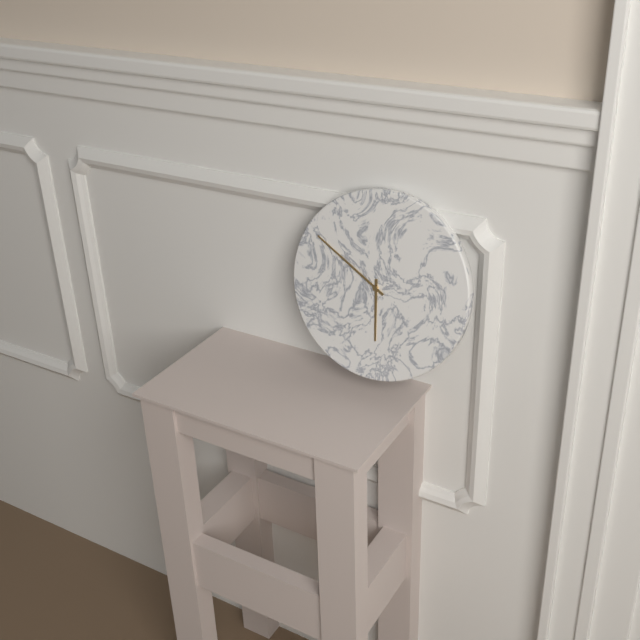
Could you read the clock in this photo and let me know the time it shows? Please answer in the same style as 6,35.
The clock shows 5,50
